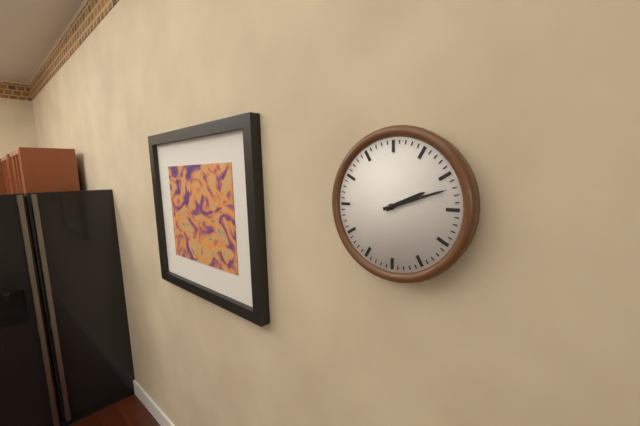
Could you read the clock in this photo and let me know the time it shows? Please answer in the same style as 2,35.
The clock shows 2,12
